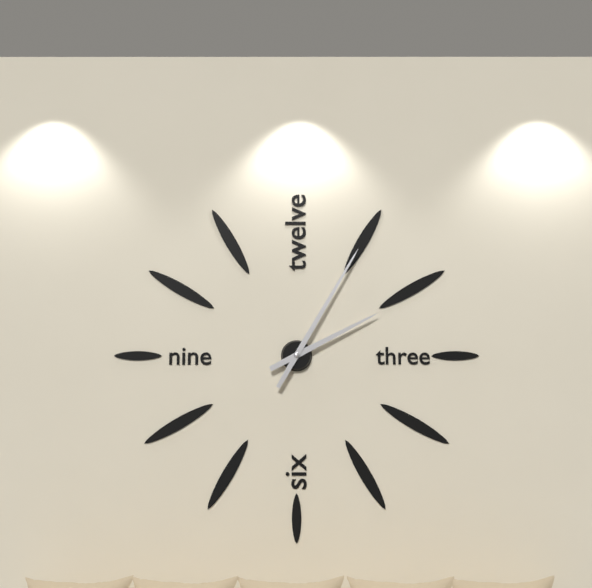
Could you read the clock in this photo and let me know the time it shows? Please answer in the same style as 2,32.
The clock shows 2,05
